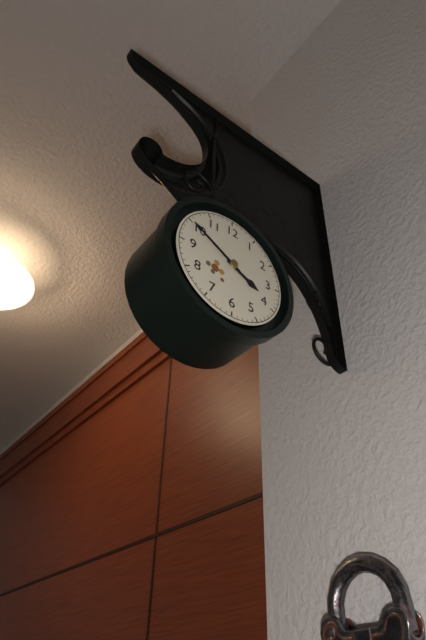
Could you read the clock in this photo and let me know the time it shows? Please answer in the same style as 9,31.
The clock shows 3,50
